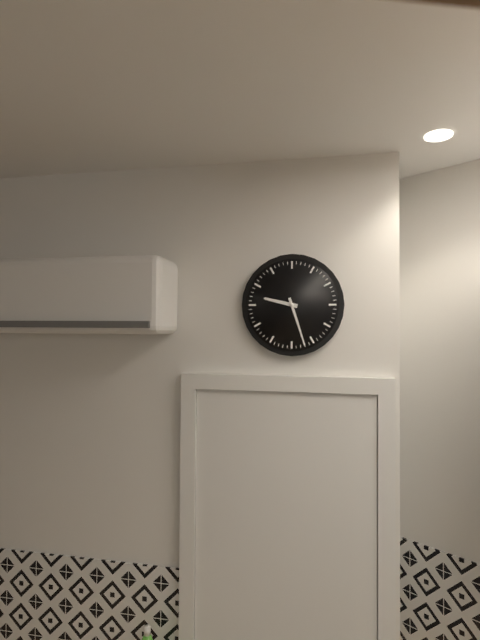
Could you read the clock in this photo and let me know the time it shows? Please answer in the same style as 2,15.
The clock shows 9,27
